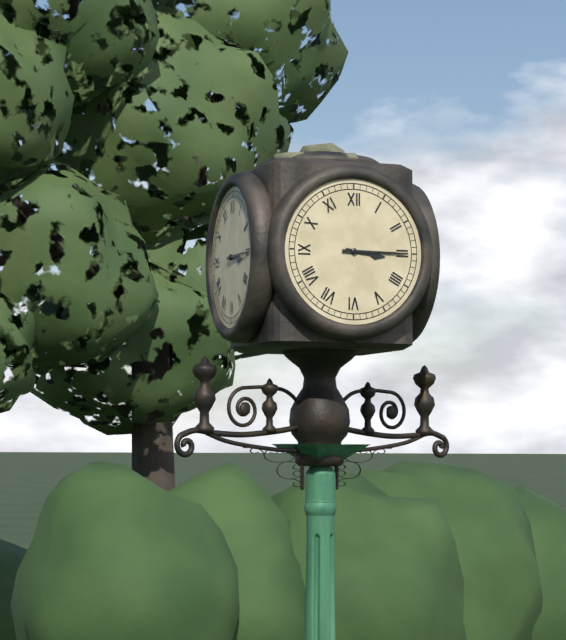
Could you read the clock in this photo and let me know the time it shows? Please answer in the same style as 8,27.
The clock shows 3,15
